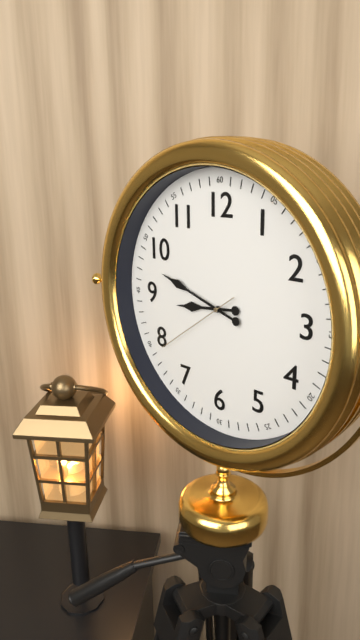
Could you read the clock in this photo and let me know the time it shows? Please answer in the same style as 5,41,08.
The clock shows 8,48,39
